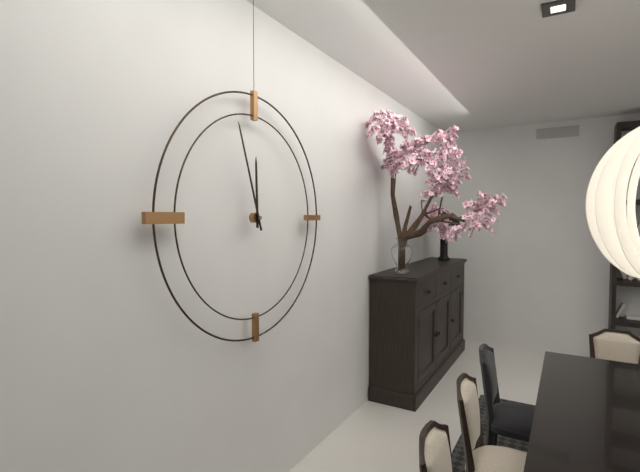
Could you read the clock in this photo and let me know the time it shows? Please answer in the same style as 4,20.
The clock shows 11,57
